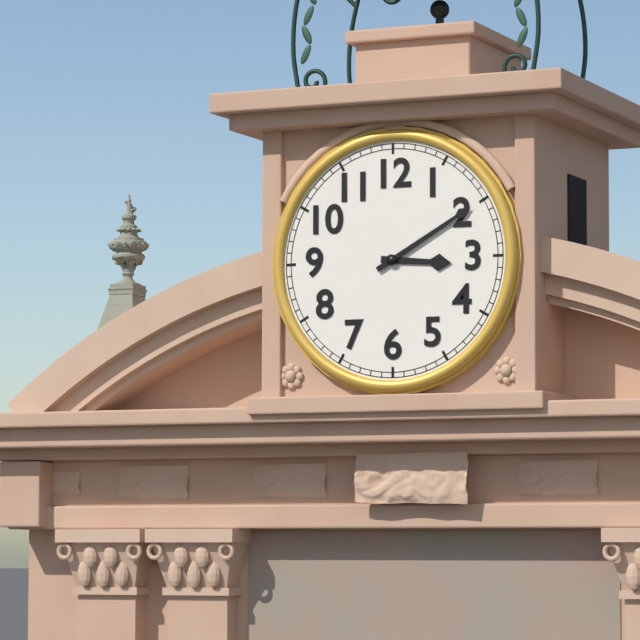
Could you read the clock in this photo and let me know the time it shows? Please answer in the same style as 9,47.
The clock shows 3,10
